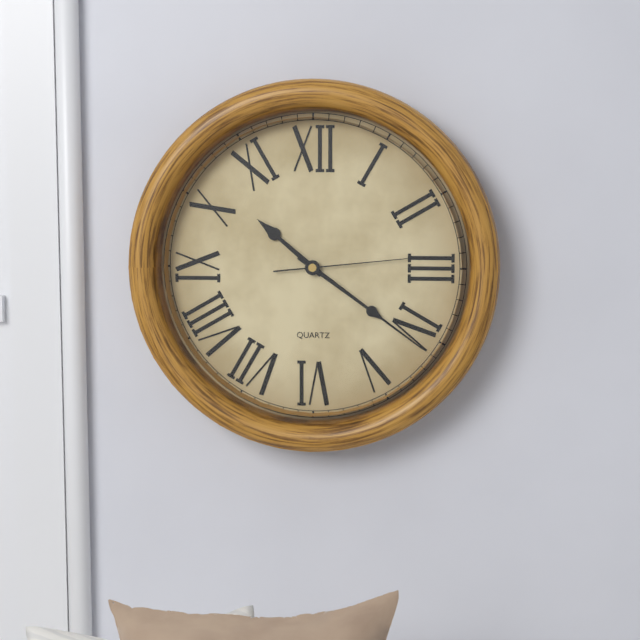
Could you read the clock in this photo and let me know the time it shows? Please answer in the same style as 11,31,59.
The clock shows 10,21,14
